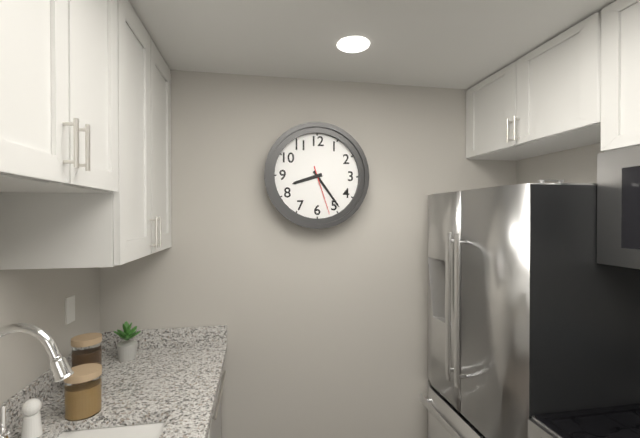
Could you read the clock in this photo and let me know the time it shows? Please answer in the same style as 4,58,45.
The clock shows 8,24,27
